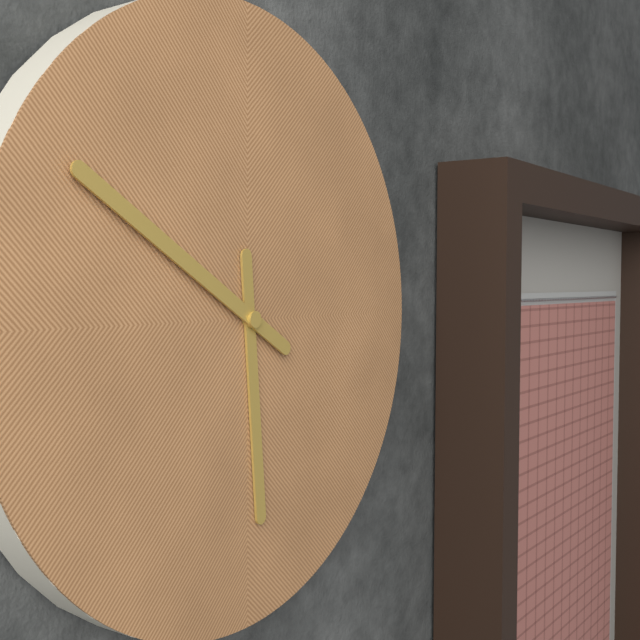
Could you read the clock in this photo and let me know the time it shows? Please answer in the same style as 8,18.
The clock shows 5,50
